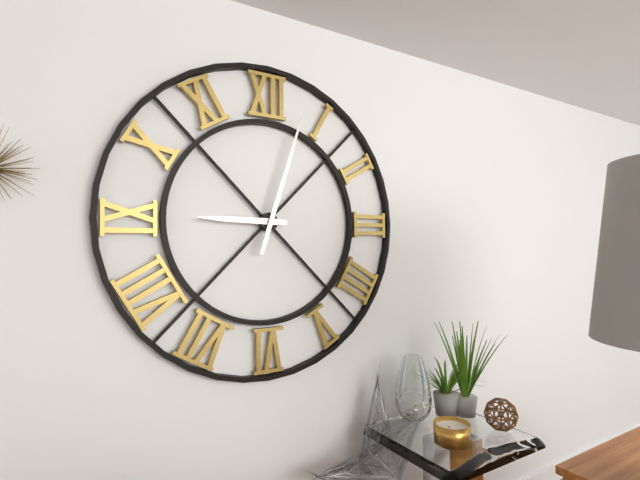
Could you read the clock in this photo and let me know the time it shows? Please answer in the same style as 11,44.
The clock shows 9,03
